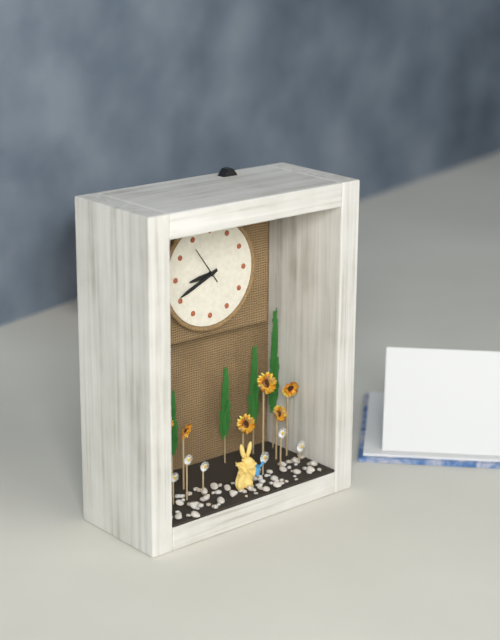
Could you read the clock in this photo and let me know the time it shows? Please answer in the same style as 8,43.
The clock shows 8,41
